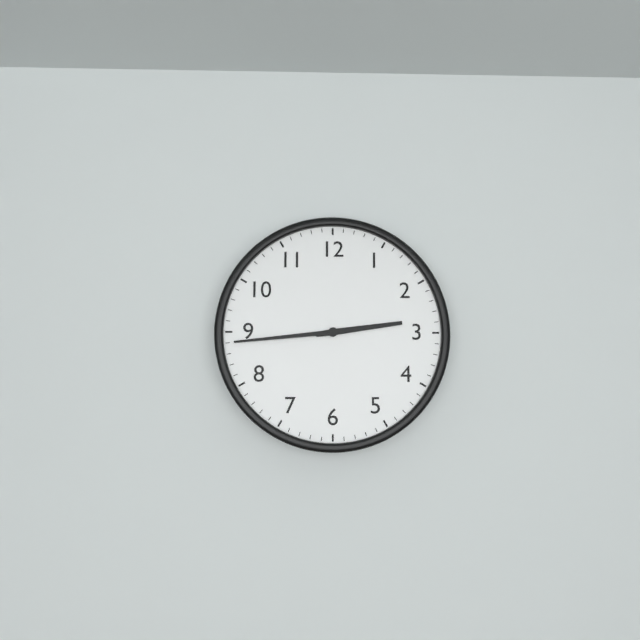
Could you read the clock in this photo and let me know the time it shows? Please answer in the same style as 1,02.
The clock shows 2,44
